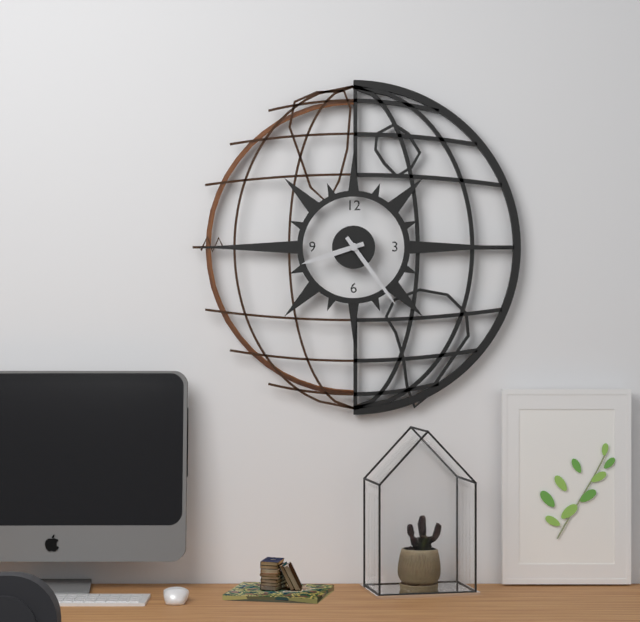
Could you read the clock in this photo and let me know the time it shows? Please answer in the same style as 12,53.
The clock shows 8,24
